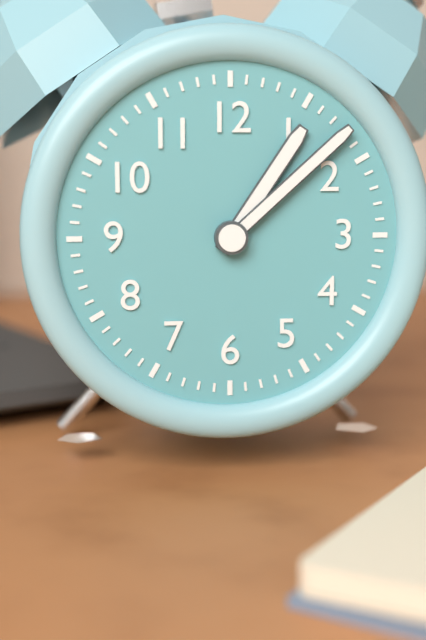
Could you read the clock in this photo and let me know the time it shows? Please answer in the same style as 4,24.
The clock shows 1,08
